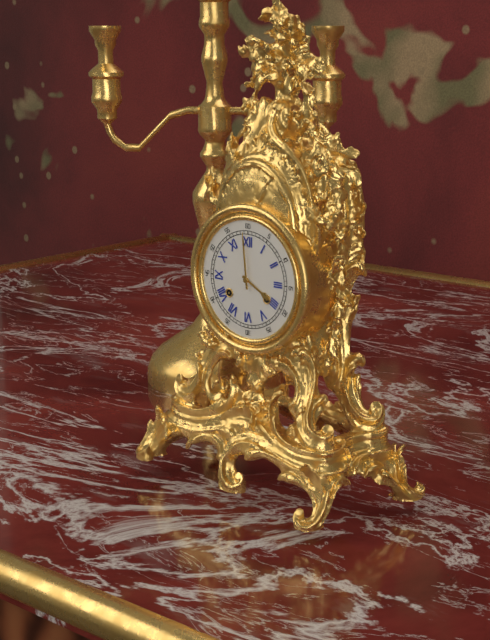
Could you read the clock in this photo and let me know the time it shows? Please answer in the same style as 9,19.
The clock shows 3,59
